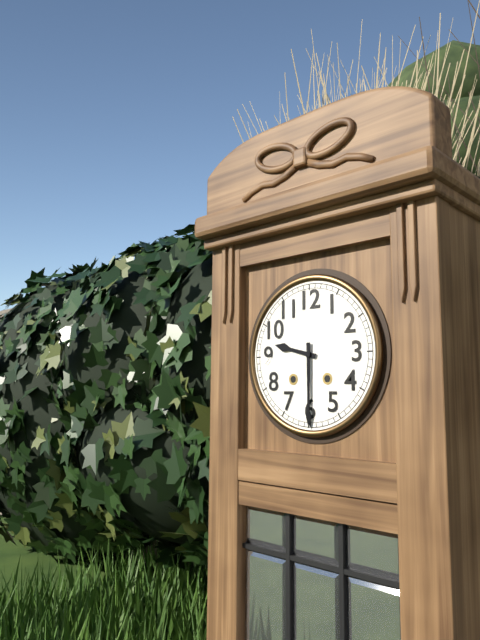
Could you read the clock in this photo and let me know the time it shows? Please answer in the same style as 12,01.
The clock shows 9,30
